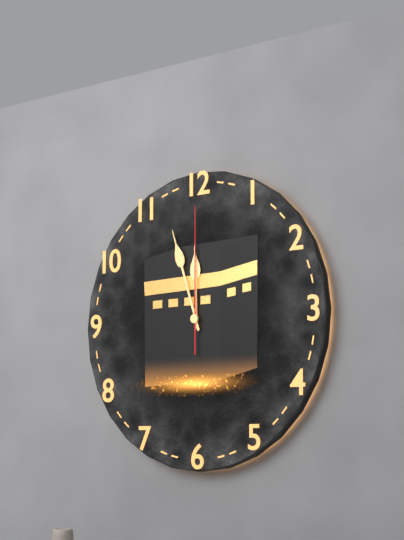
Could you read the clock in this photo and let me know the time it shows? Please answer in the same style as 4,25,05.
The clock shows 11,57,00
